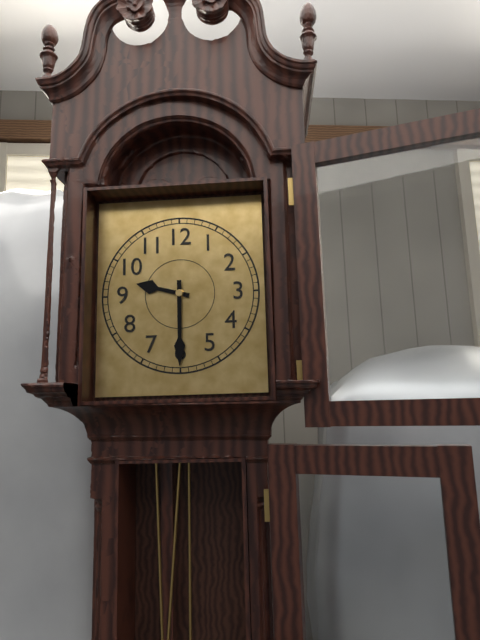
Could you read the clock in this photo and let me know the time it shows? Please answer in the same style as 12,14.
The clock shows 9,30
